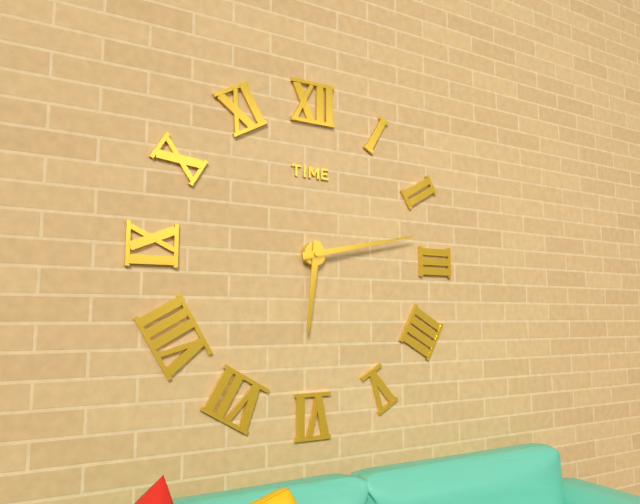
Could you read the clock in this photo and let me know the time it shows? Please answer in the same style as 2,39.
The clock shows 6,13
